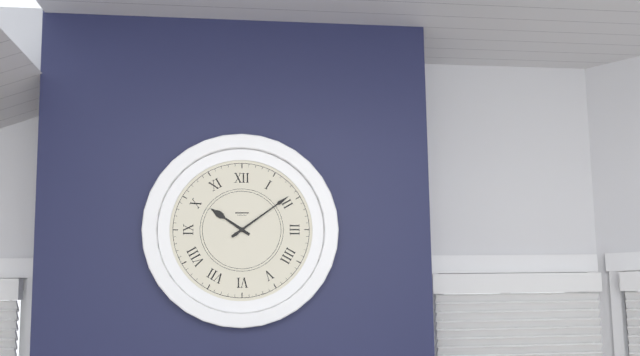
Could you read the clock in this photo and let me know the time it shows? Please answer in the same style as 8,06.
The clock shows 10,09
